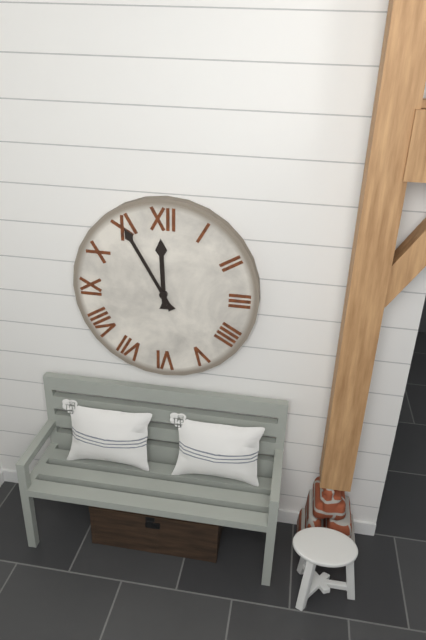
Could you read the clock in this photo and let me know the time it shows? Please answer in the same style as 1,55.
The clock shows 11,55
